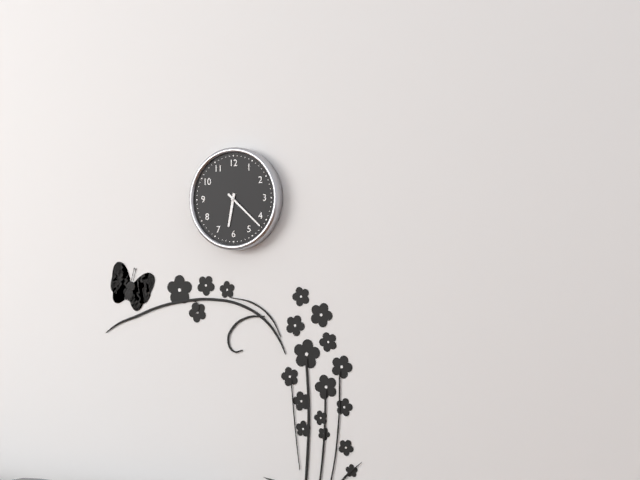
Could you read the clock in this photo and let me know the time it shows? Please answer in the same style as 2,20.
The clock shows 6,22
